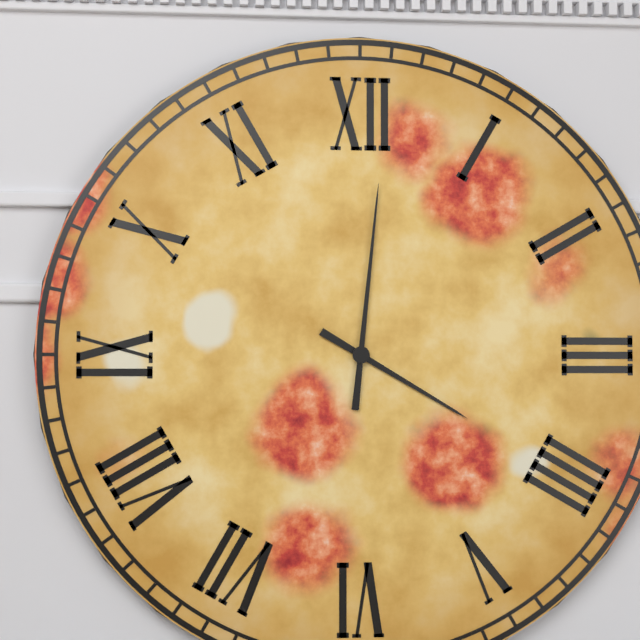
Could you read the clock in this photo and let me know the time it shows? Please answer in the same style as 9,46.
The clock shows 4,01
